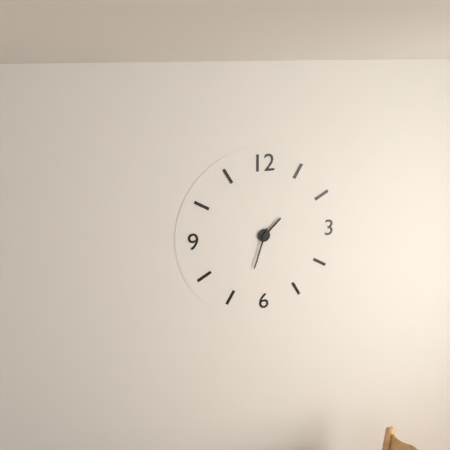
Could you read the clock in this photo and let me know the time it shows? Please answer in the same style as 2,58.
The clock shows 1,33
